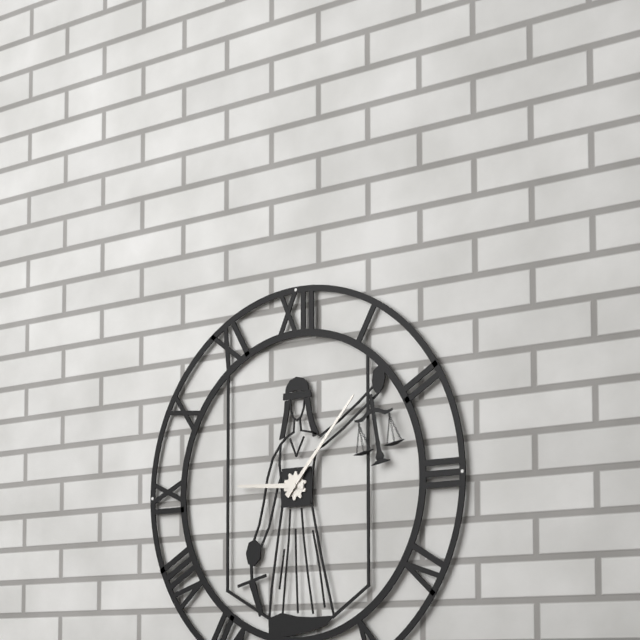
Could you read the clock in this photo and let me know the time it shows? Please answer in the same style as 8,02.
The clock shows 9,07
